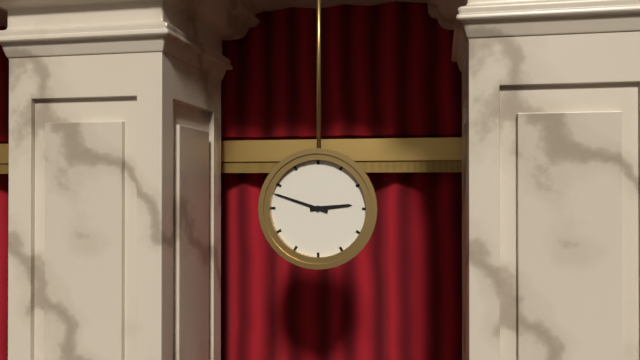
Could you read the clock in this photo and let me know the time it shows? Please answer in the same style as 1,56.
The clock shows 2,48
